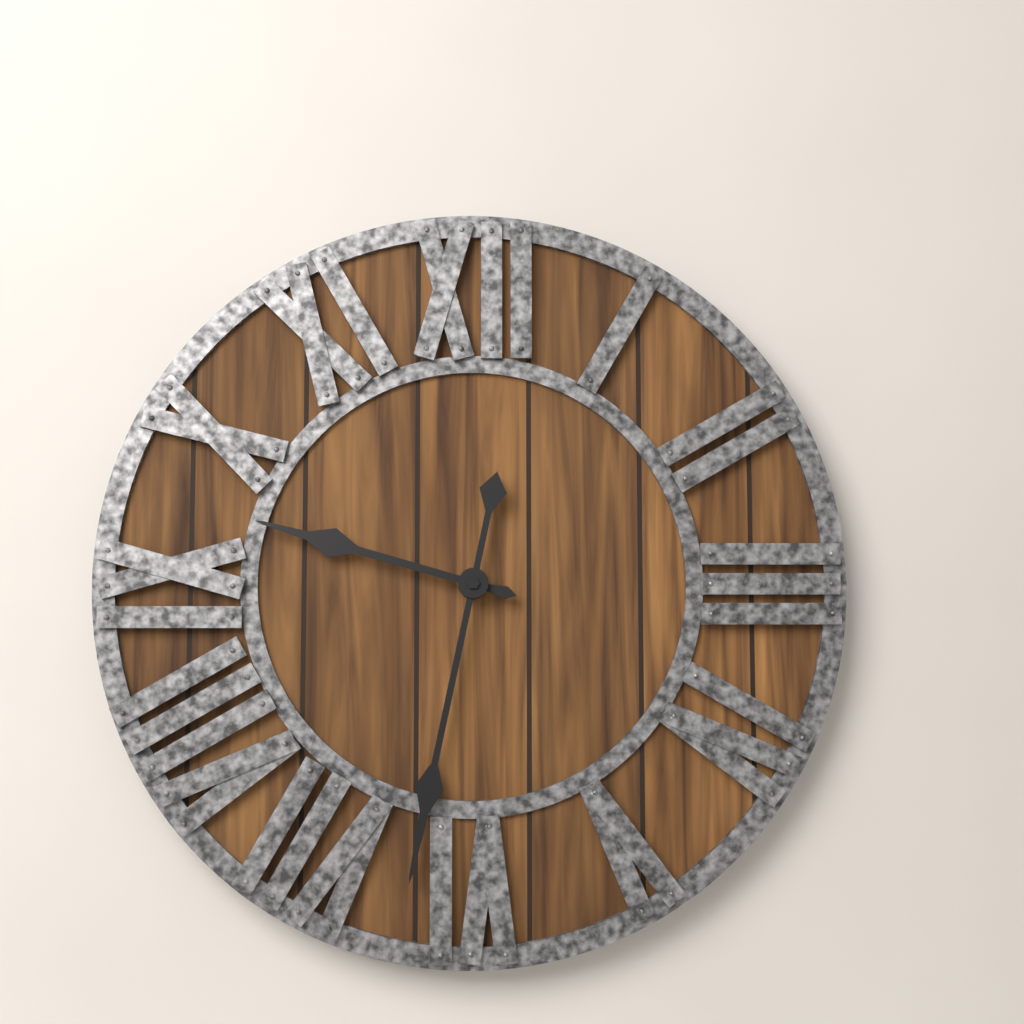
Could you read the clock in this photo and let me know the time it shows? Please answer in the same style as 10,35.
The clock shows 9,32
